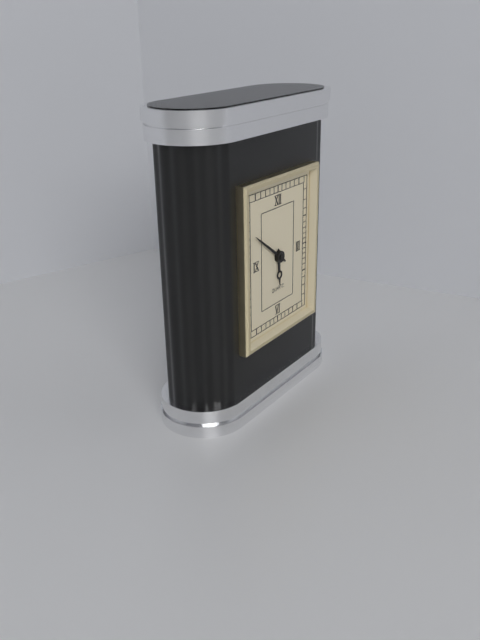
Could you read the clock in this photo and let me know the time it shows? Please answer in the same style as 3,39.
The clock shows 5,51
